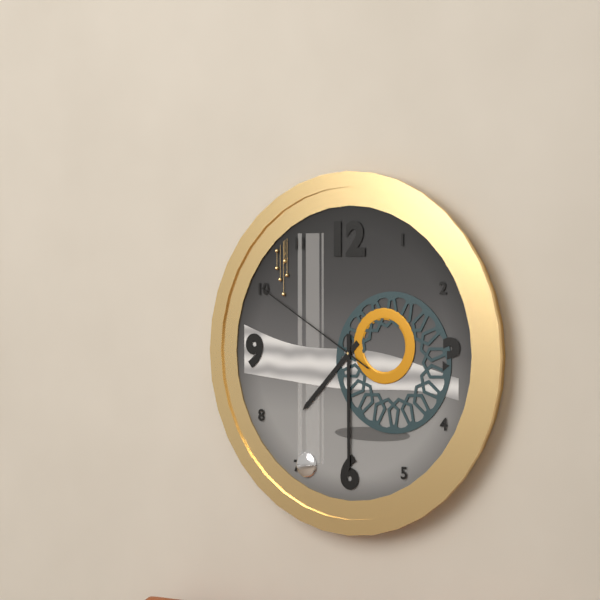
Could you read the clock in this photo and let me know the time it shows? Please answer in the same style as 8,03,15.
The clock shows 7,30,50
